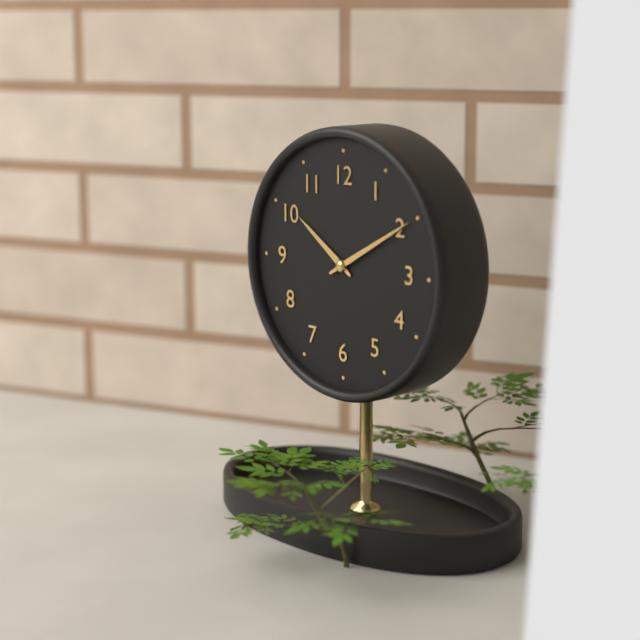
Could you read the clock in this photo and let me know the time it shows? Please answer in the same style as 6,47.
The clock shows 10,10
